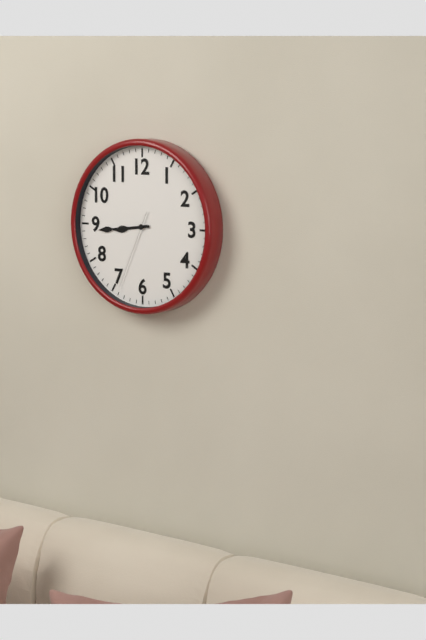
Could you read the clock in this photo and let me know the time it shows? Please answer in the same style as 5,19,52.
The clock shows 8,44,34
